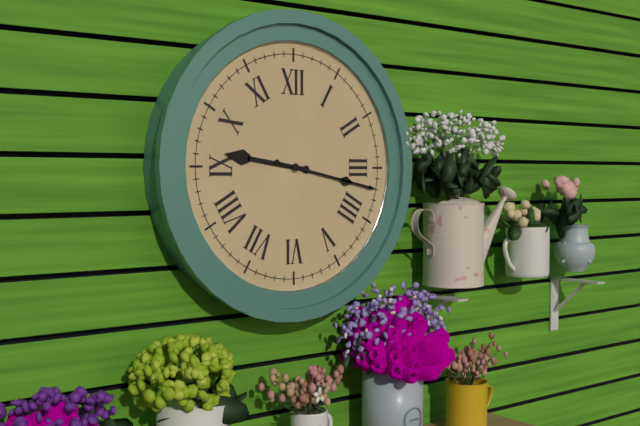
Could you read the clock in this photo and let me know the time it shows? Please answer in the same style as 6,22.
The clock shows 9,17
